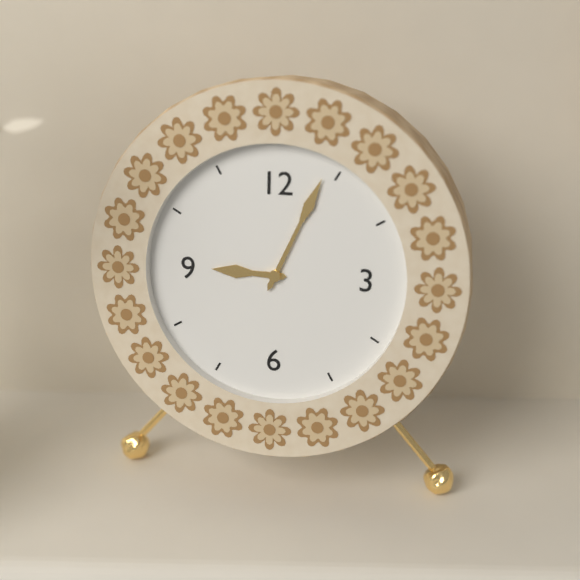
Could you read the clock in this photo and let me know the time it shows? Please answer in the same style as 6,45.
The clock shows 9,04
